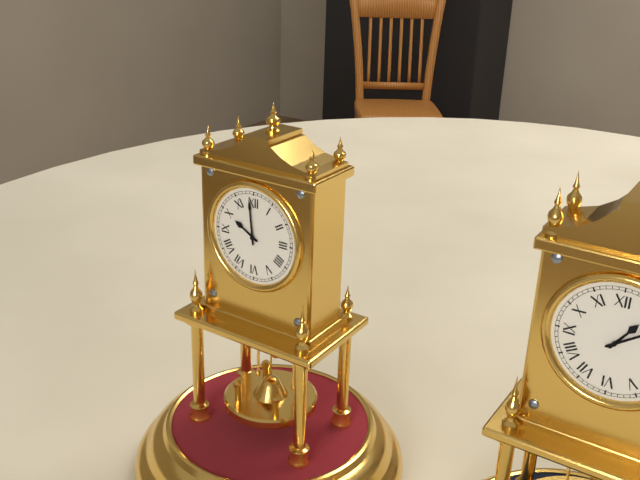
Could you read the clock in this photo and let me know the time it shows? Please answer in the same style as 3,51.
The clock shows 9,59
